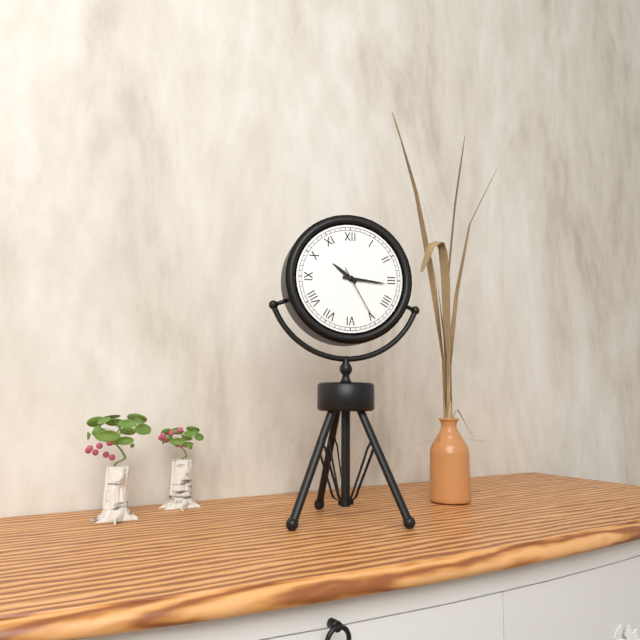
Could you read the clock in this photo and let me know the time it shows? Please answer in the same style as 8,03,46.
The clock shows 10,16,25
